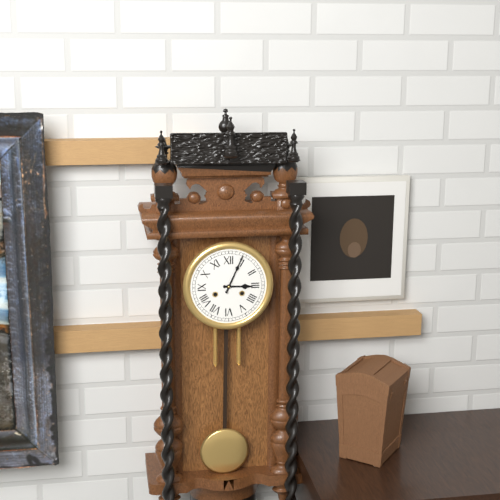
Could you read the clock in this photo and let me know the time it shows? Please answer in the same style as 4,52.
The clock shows 3,04
